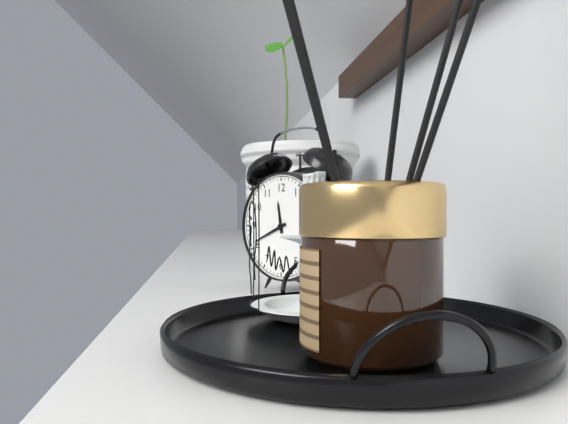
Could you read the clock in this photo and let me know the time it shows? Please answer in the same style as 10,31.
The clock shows 11,41
